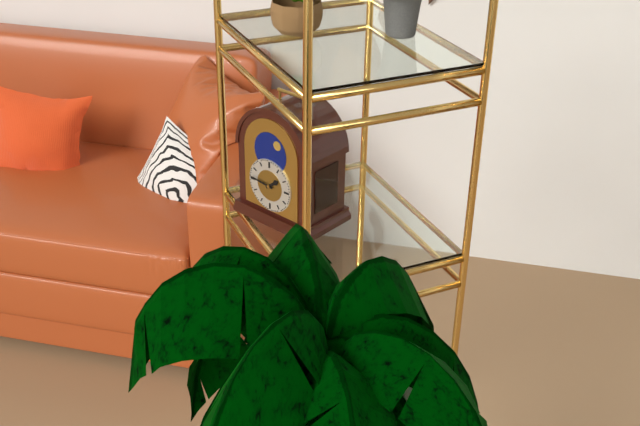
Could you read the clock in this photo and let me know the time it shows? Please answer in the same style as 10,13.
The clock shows 1,46
